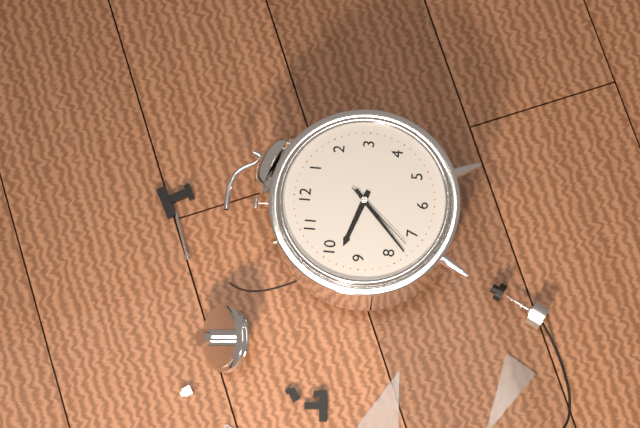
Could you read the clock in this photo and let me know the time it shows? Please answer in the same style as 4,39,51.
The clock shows 9,38,37
